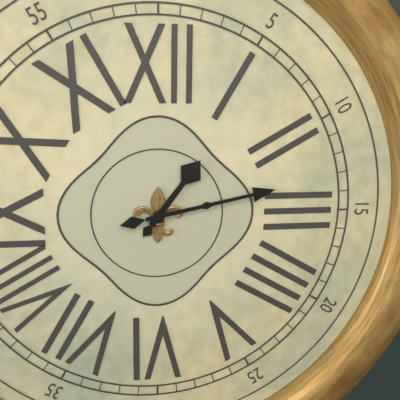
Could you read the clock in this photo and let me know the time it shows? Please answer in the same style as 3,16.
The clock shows 1,13
